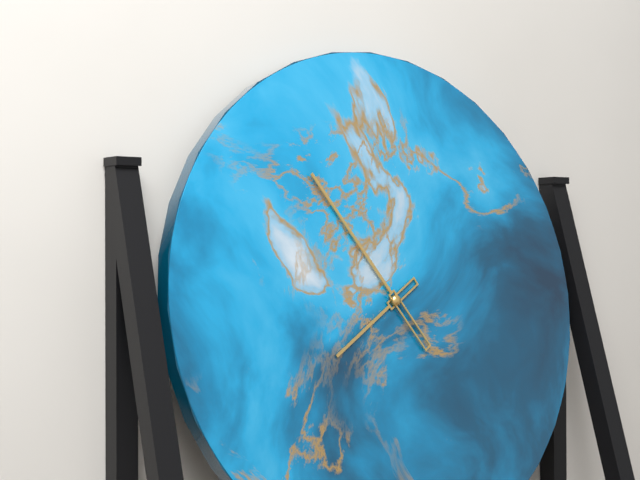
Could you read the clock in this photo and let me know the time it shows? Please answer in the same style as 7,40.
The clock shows 7,54
